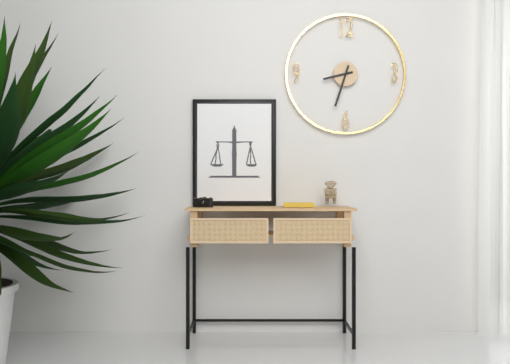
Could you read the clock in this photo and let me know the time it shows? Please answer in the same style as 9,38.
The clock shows 8,33
